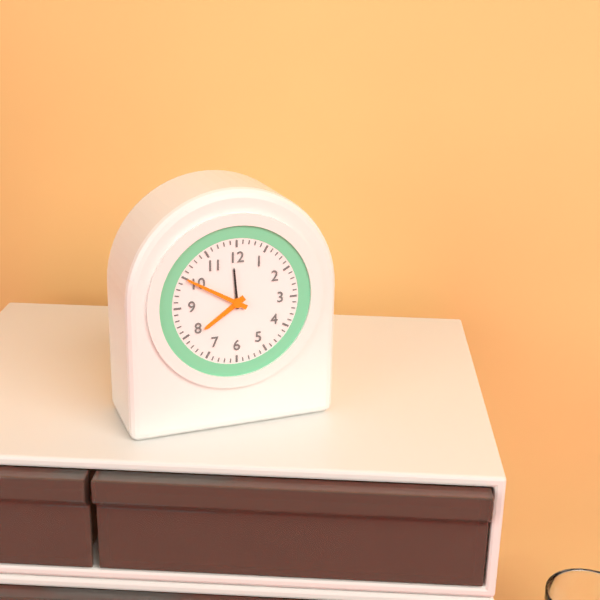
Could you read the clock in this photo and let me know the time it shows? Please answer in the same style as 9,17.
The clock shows 7,50
